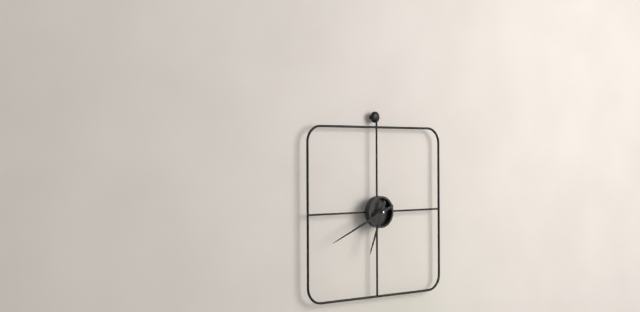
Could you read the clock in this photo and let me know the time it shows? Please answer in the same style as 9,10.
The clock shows 6,41
